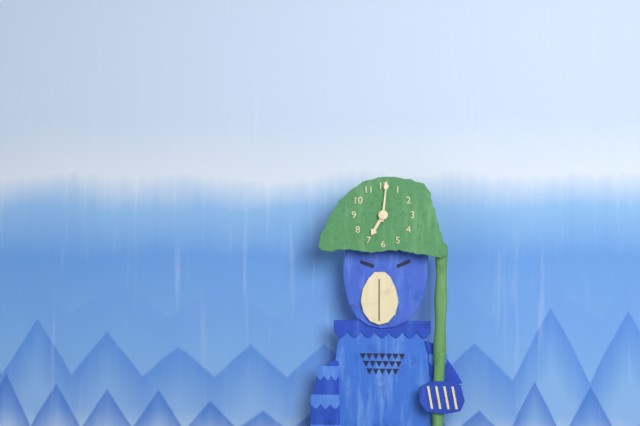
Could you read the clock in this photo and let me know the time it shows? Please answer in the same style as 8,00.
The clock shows 7,01
